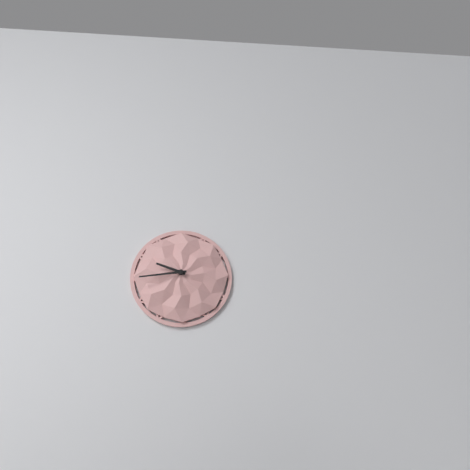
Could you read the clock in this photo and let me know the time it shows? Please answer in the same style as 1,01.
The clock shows 9,44
